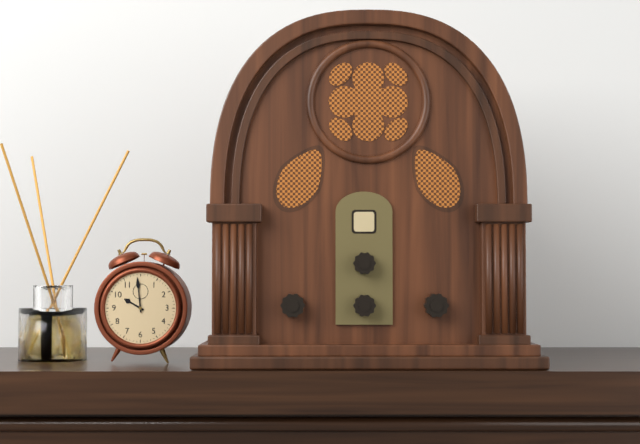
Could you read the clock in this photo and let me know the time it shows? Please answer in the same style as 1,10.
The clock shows 9,59
